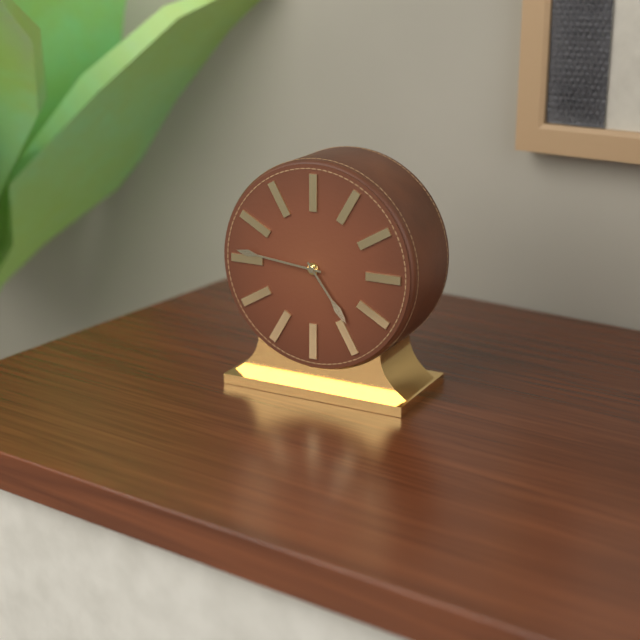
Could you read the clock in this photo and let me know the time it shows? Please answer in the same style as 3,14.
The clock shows 4,46
